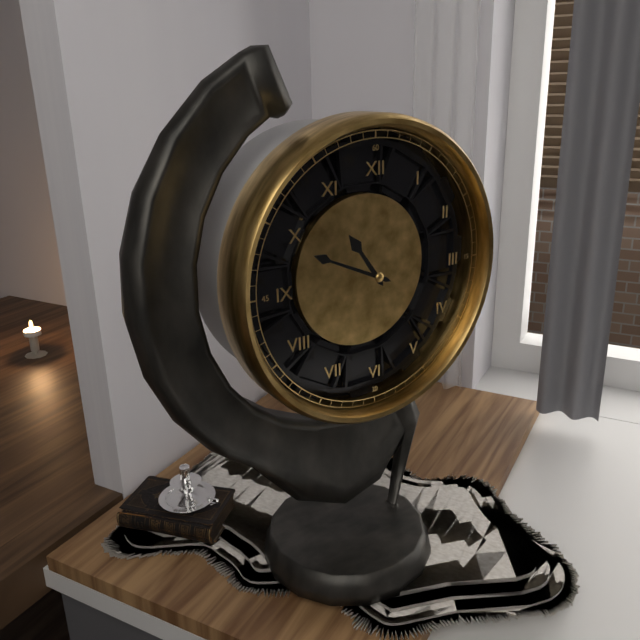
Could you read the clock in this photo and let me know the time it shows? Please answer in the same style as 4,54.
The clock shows 10,49
